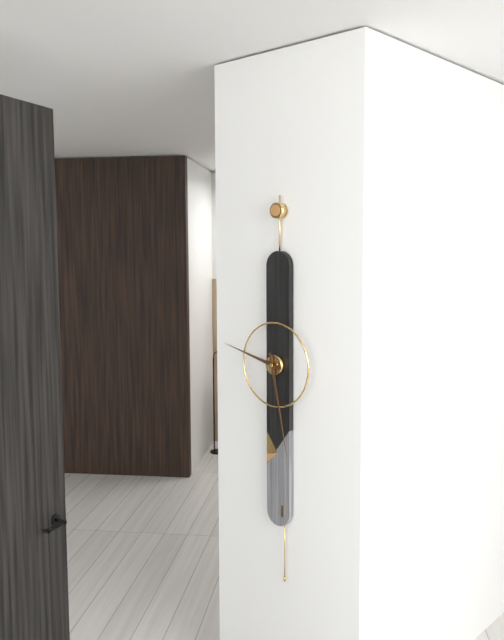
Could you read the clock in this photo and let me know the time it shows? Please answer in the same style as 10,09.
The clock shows 9,28
